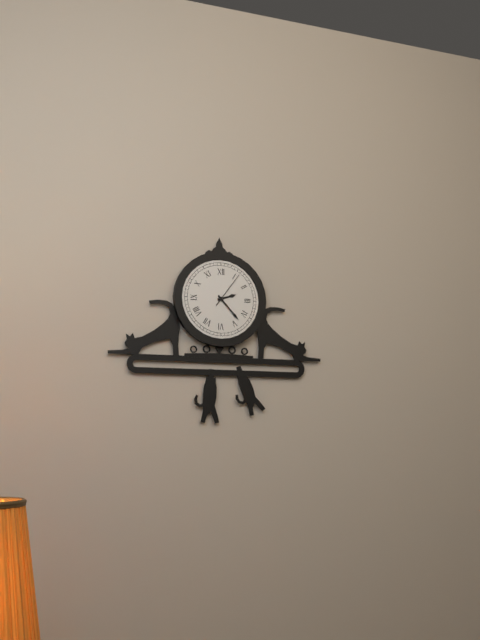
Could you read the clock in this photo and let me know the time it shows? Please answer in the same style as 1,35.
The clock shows 2,23
